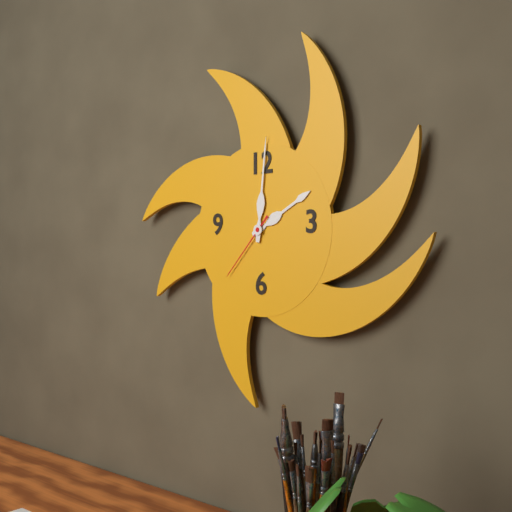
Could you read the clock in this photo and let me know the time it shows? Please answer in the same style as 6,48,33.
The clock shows 2,01,37
